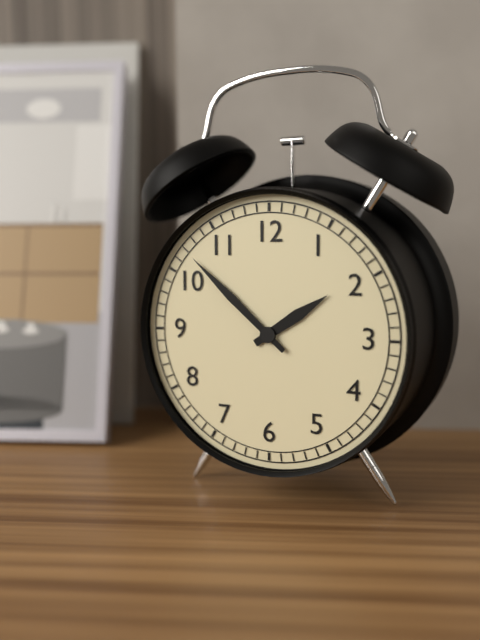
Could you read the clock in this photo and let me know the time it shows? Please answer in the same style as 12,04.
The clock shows 1,52
